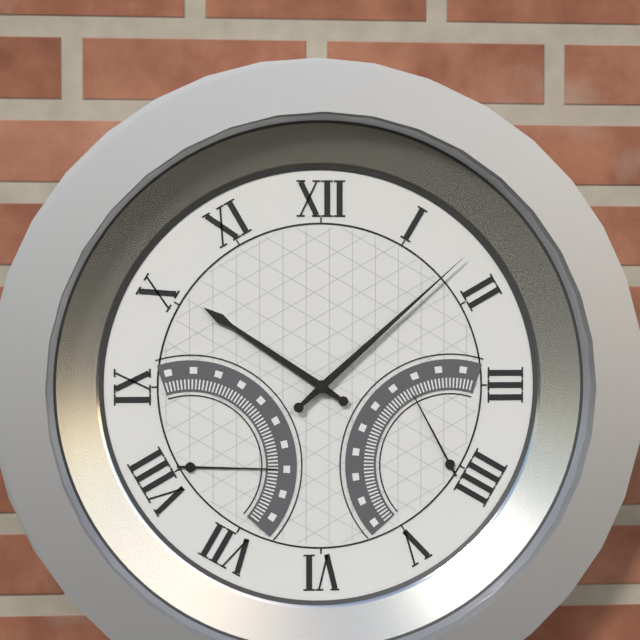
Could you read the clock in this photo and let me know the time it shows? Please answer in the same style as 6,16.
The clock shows 10,08
